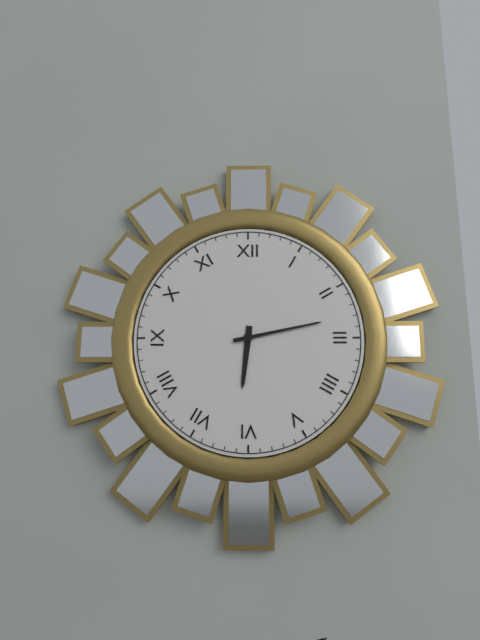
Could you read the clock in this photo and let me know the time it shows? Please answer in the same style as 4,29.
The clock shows 6,13
